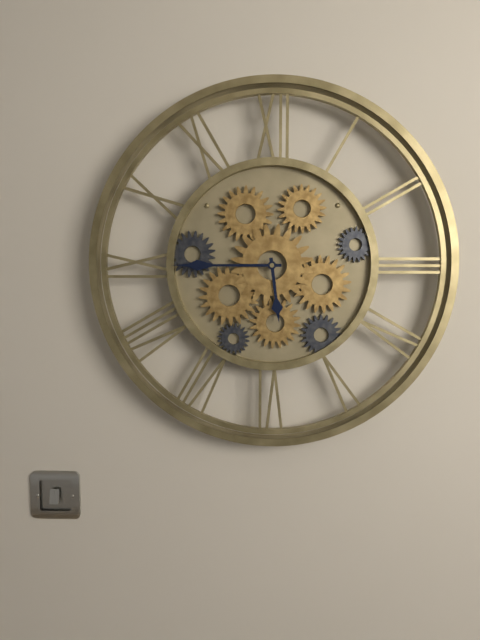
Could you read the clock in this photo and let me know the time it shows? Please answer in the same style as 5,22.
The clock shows 5,45
